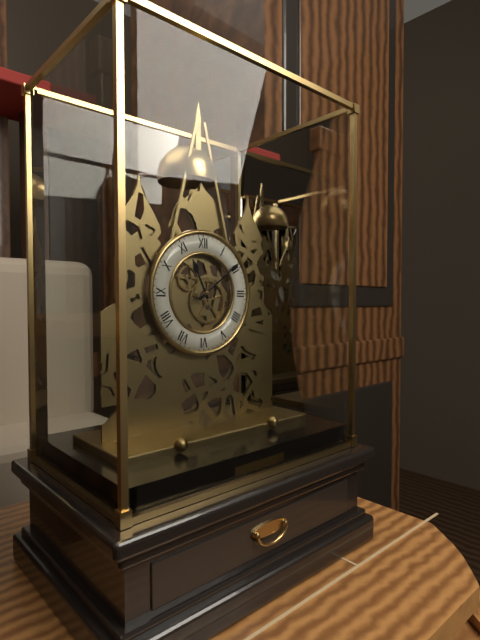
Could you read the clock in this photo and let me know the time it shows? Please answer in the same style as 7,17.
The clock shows 11,09
